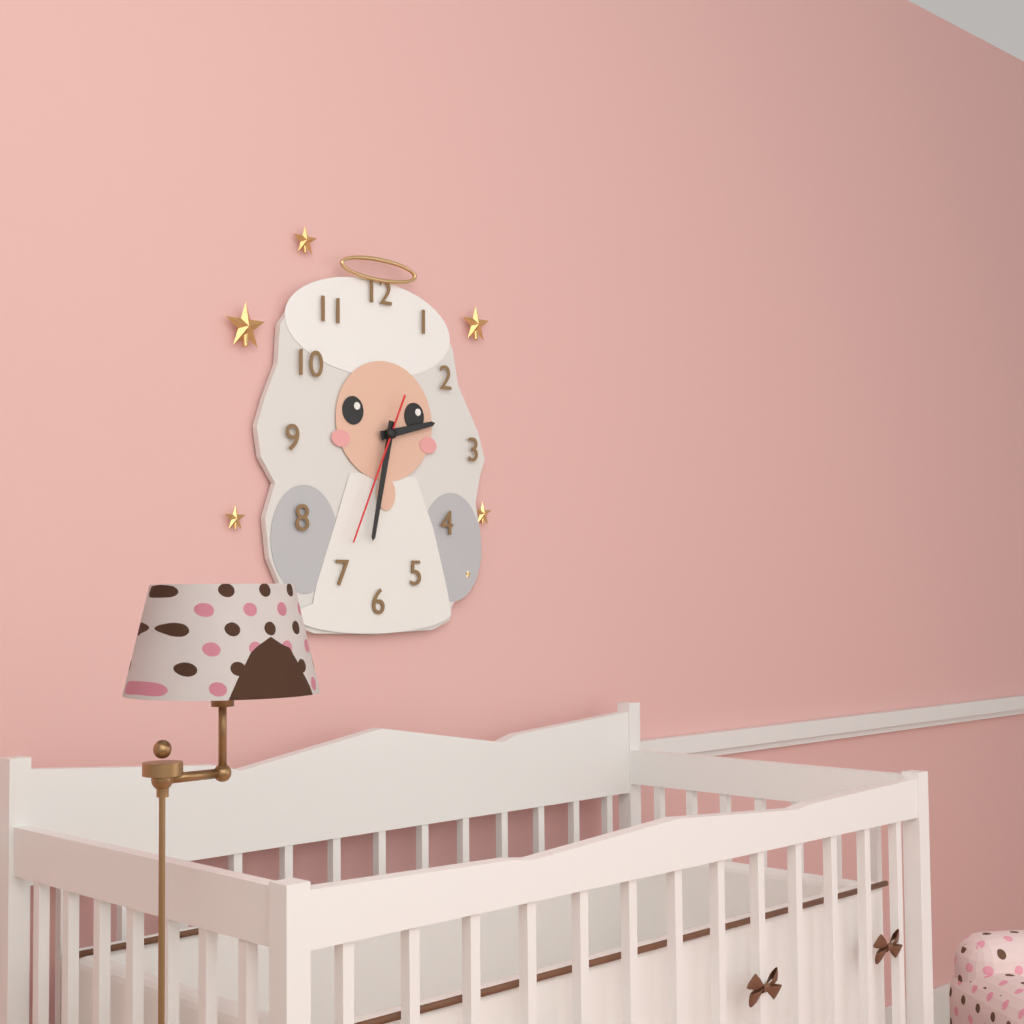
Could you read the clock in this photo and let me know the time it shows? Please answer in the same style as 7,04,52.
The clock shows 2,32,34
